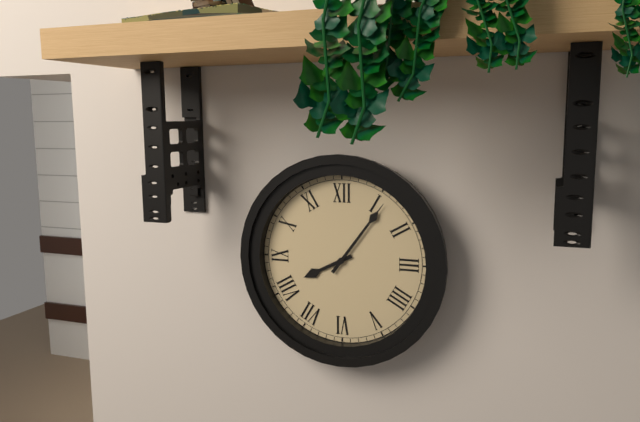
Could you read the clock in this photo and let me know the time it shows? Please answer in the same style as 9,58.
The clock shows 8,06
